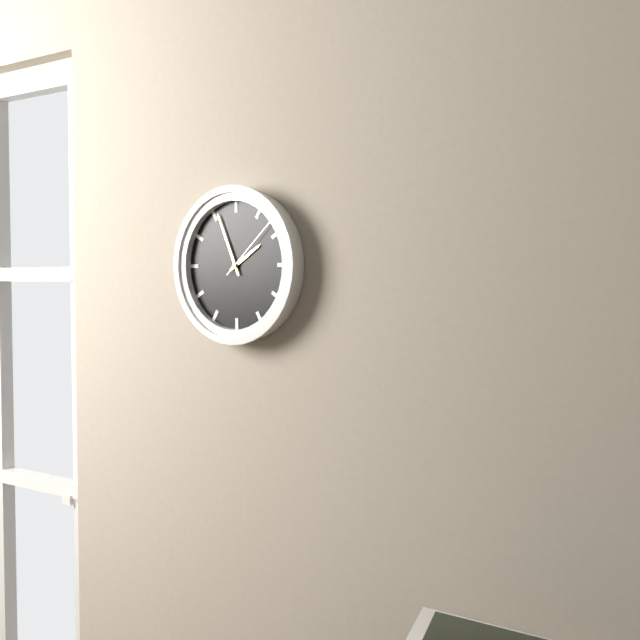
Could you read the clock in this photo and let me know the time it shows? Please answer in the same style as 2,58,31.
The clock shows 1,56,08
